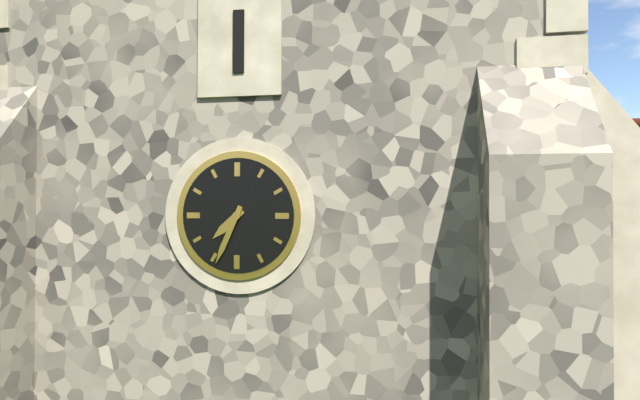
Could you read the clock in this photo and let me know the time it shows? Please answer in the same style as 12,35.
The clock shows 7,34
